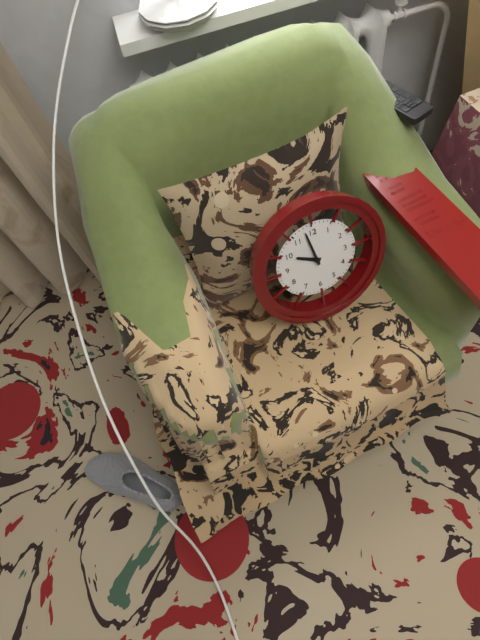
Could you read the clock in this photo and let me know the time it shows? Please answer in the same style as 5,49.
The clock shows 9,58
